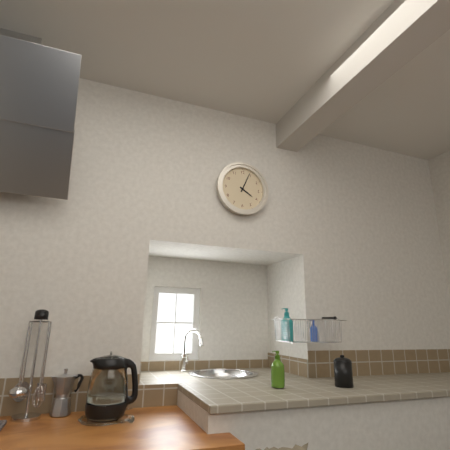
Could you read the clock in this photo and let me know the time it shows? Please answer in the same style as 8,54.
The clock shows 4,04
